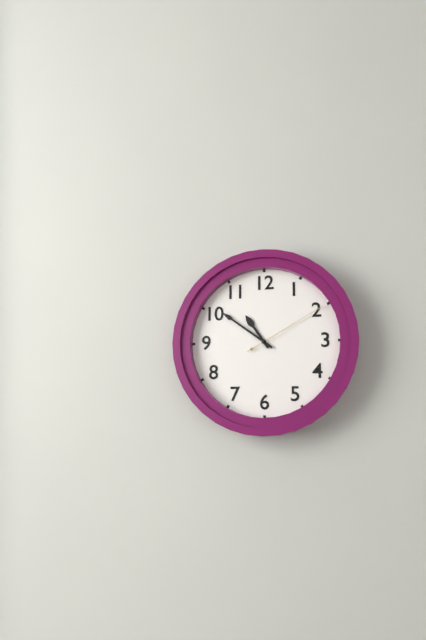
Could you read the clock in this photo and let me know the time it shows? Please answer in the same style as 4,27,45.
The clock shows 10,51,10
